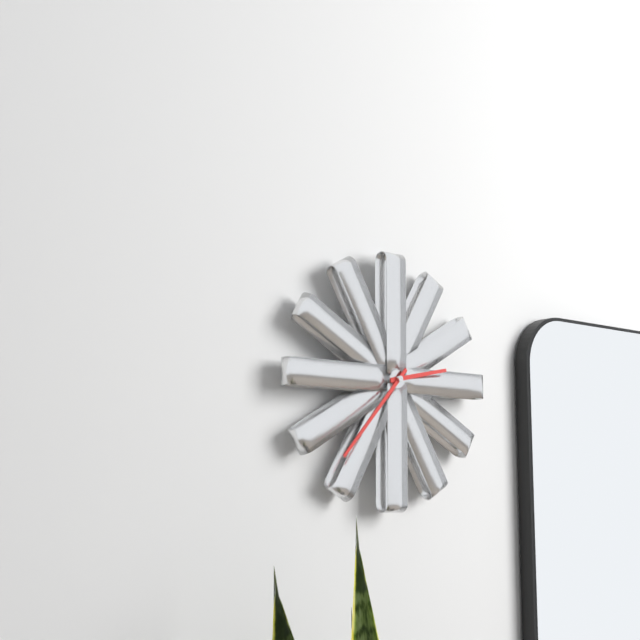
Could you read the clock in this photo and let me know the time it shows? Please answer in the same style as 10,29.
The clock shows 2,37
